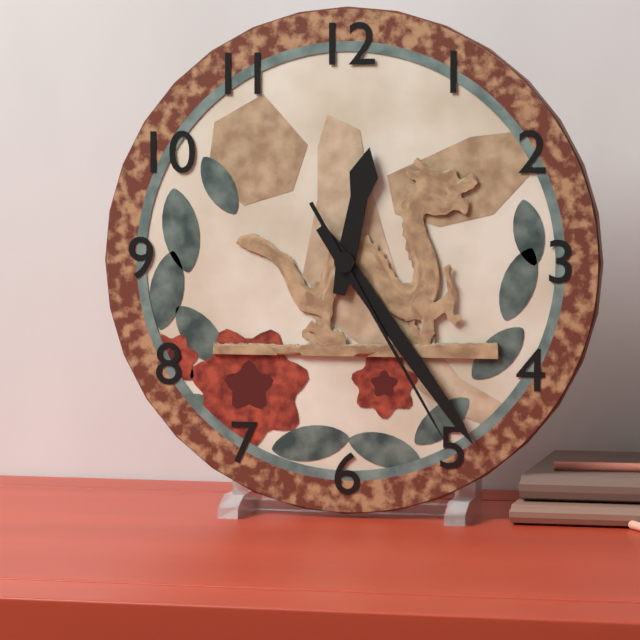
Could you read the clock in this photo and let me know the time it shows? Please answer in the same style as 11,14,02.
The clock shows 12,24,25
